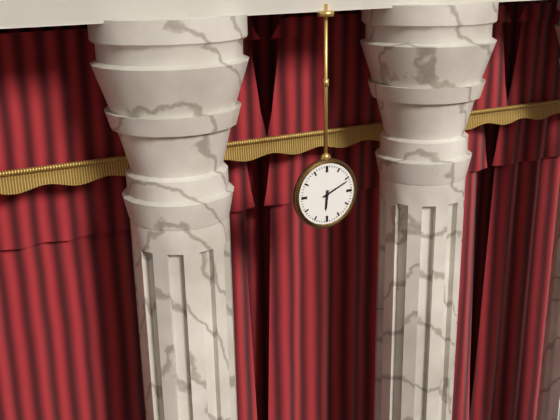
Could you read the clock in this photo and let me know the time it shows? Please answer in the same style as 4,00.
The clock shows 6,11
